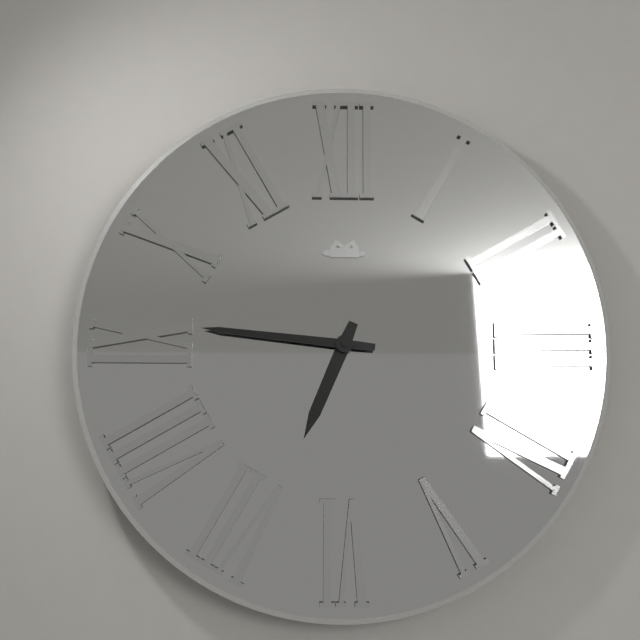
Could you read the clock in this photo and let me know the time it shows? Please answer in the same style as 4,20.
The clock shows 6,46
